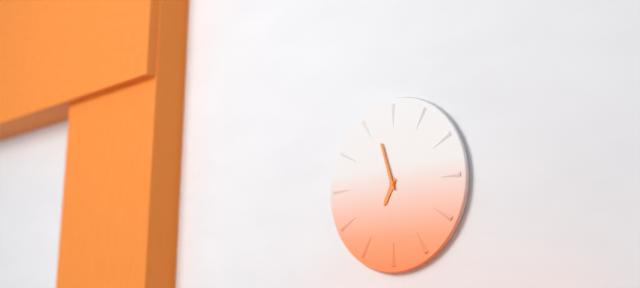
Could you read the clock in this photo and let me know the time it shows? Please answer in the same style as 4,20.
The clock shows 6,57
